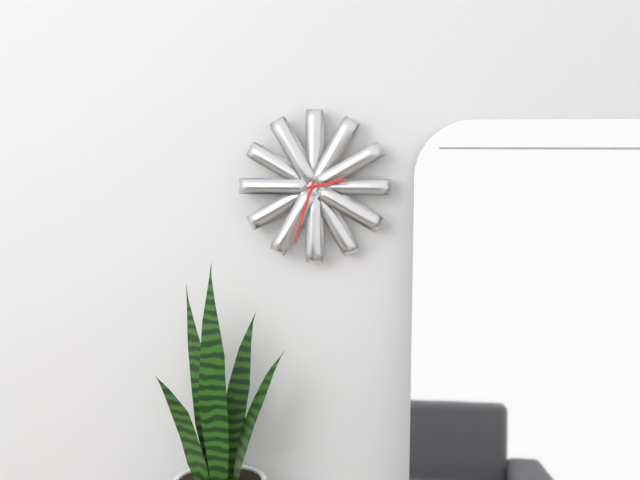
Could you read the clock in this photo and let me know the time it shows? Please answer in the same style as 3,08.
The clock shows 2,33
